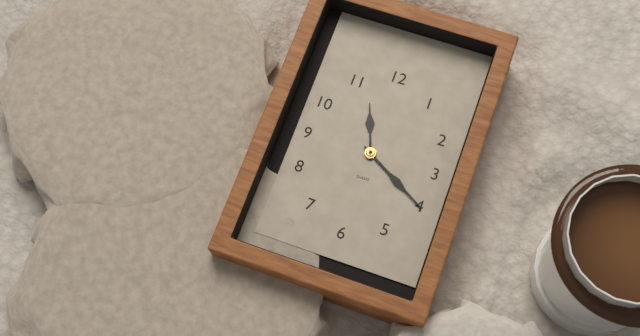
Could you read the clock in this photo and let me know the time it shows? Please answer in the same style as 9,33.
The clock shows 11,20
